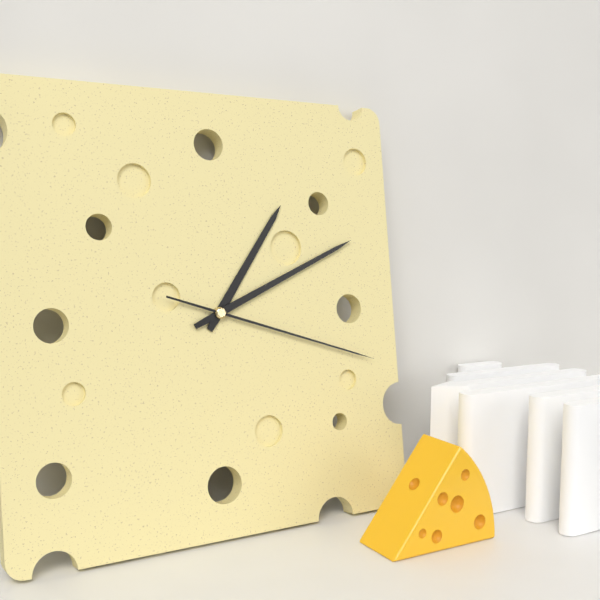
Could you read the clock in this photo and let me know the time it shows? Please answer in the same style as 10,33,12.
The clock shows 1,11,18
